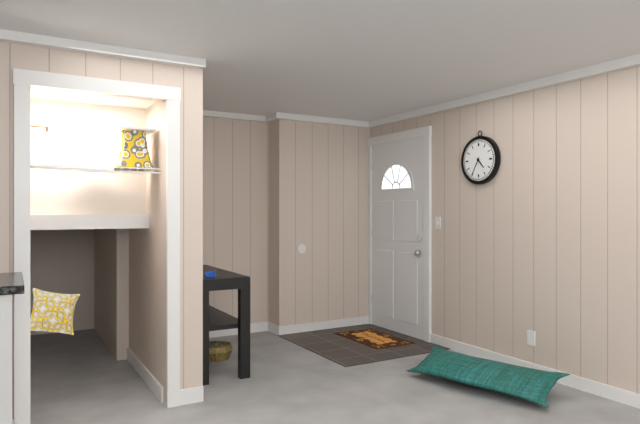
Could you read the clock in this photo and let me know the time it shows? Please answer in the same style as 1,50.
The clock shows 4,35
